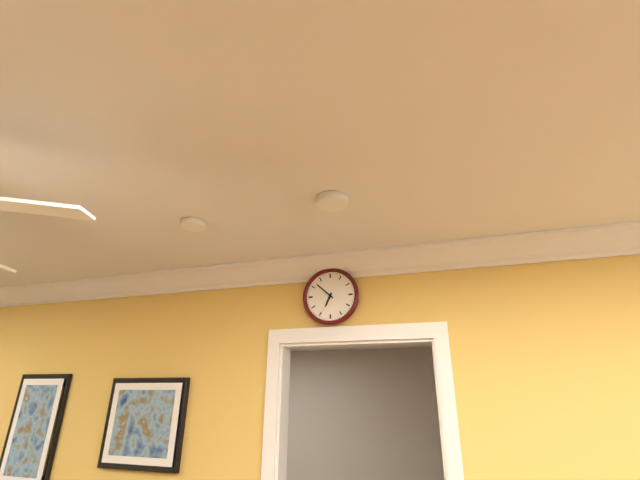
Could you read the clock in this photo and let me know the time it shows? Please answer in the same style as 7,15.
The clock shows 6,52
